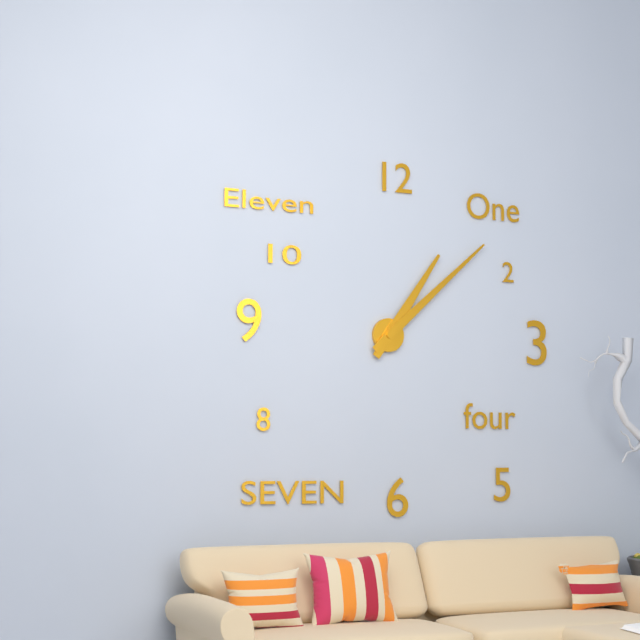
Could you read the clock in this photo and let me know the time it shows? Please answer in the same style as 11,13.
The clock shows 1,08
